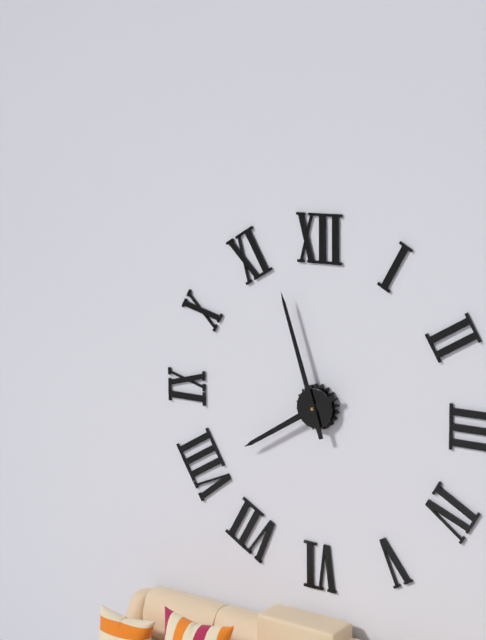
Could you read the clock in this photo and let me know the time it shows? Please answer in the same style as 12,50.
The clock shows 7,57
